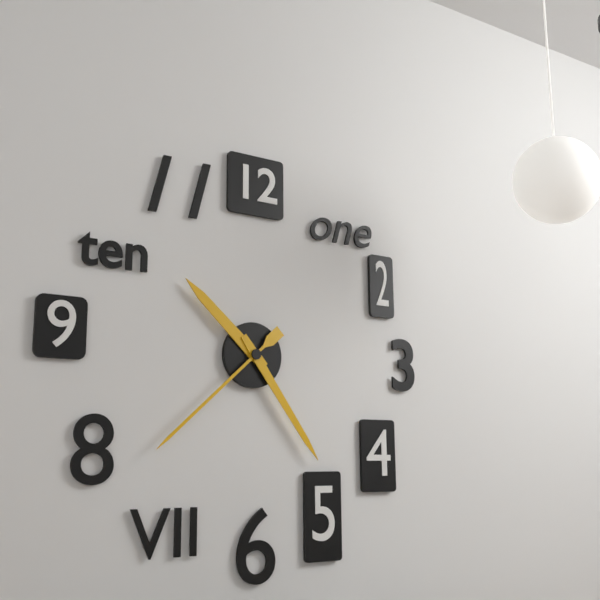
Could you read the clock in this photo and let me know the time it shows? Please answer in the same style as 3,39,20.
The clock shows 10,24,38
